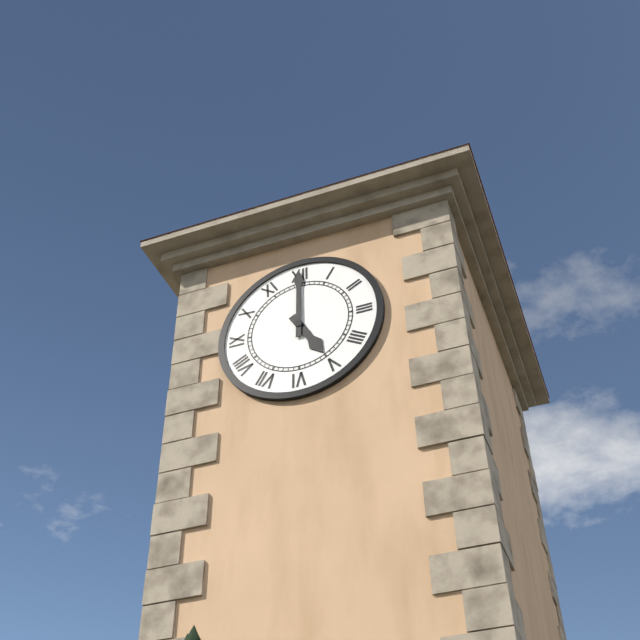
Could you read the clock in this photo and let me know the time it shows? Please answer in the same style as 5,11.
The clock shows 5,00
